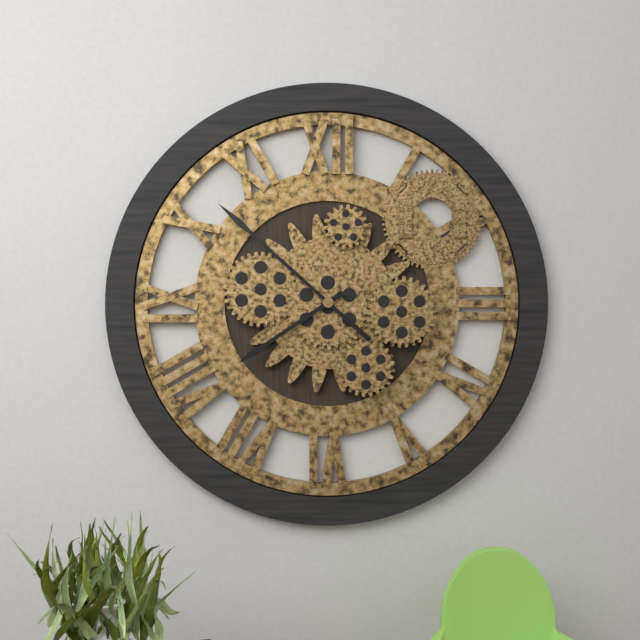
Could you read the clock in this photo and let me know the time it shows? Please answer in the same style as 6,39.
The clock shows 7,52
